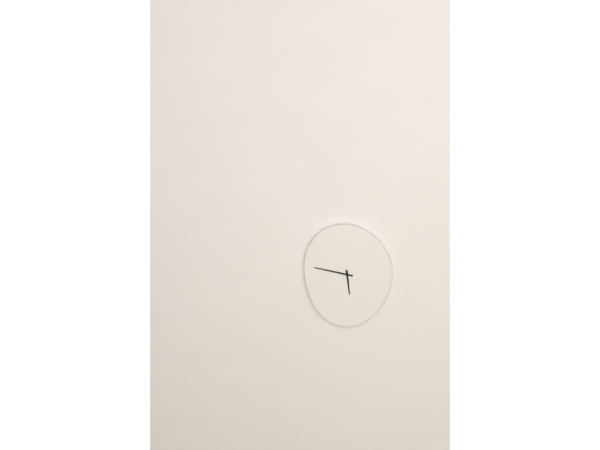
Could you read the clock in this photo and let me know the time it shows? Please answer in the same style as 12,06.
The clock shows 5,47
